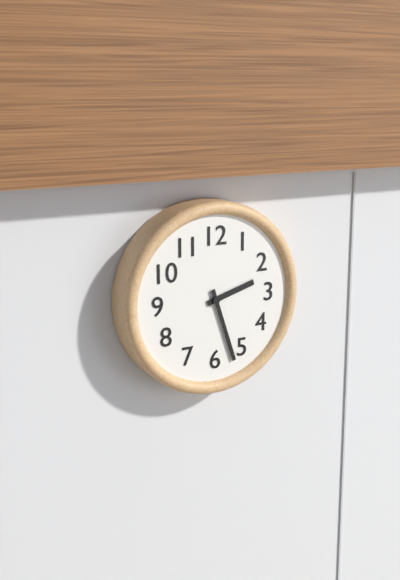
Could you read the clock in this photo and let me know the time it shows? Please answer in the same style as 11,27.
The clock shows 2,27
